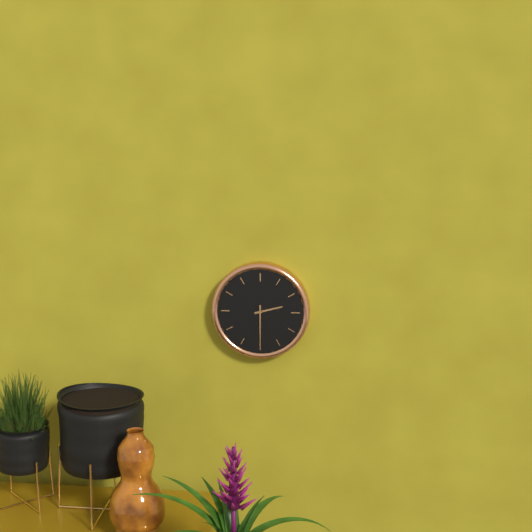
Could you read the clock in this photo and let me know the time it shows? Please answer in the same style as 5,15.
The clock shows 2,30
